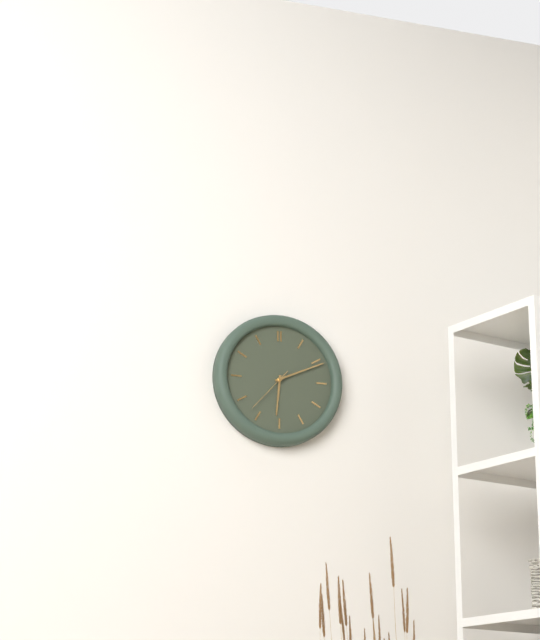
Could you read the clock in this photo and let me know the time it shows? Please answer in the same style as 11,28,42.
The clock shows 6,11,37
